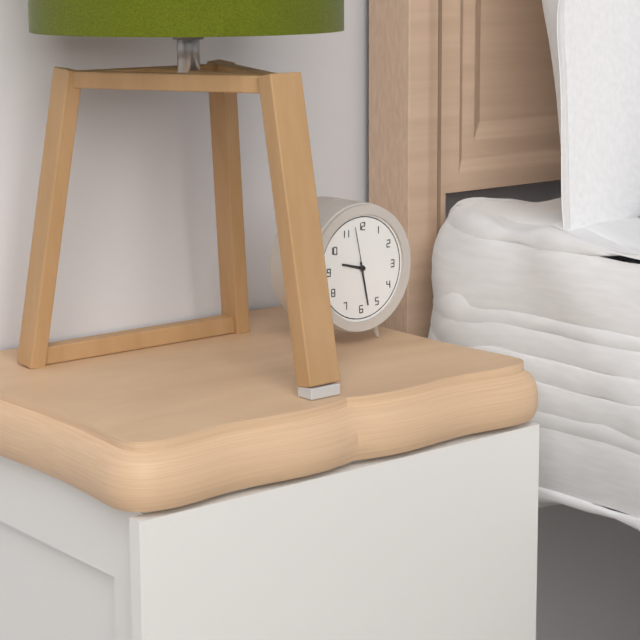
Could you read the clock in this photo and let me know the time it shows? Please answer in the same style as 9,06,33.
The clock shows 9,28,58
